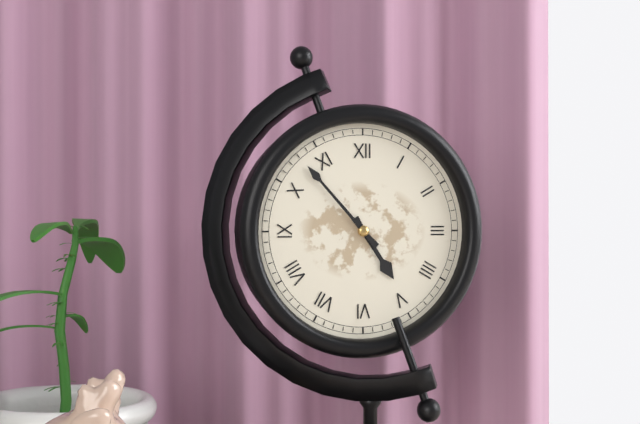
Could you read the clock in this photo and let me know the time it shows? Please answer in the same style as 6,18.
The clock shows 4,53
